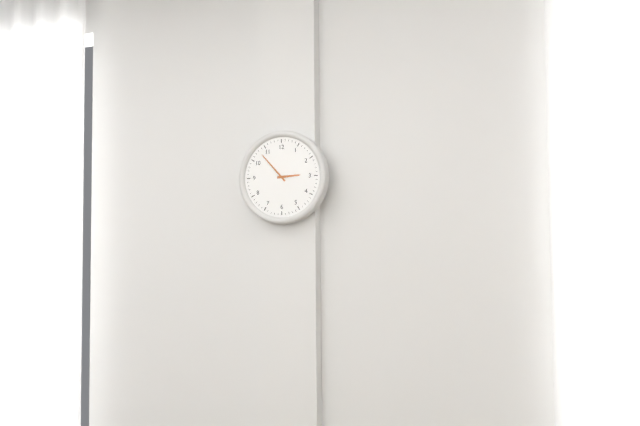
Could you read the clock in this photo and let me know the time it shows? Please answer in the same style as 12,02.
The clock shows 2,53
